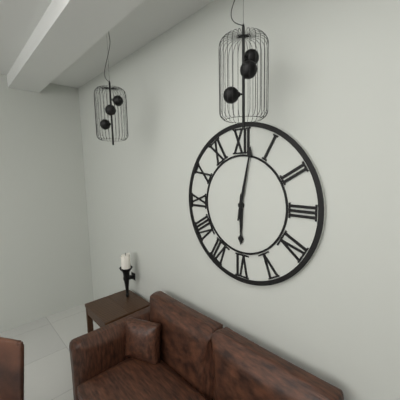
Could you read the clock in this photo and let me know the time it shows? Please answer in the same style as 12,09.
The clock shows 6,02
